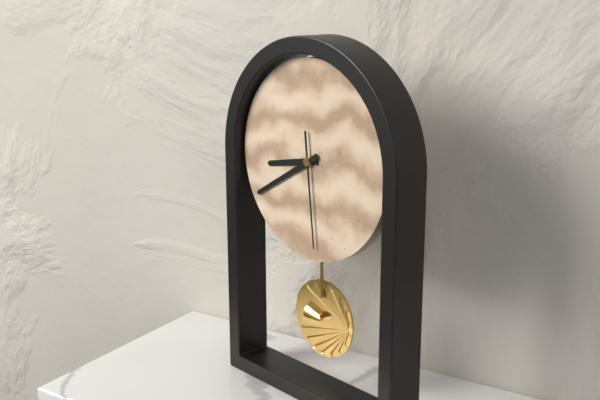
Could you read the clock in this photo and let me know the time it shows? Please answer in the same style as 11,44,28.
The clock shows 8,40,29
